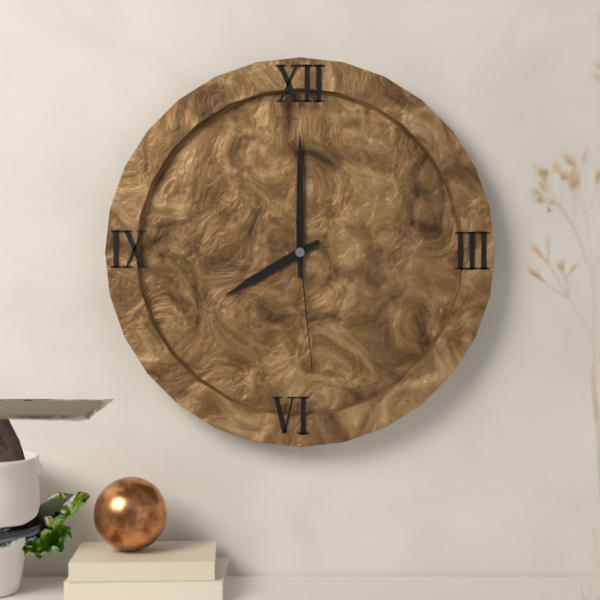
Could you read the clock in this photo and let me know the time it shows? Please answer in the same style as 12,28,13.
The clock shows 8,00,29
